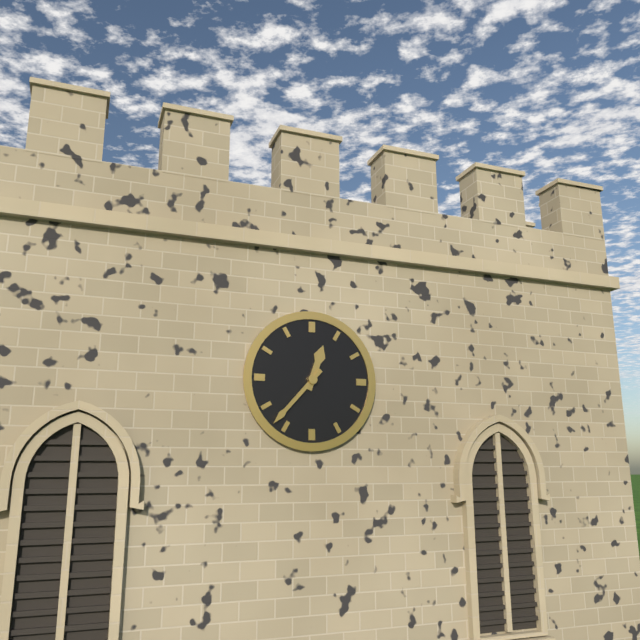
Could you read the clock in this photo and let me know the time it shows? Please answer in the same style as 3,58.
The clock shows 12,37
